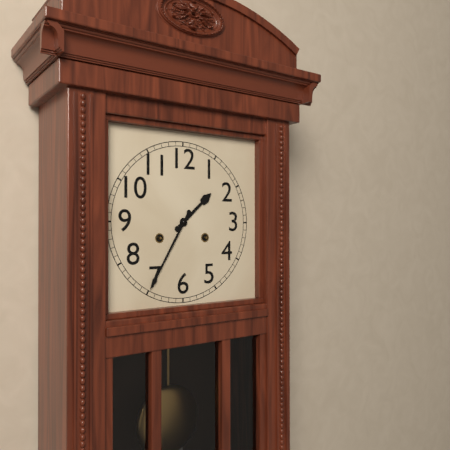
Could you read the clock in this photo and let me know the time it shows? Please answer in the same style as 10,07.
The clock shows 1,35
